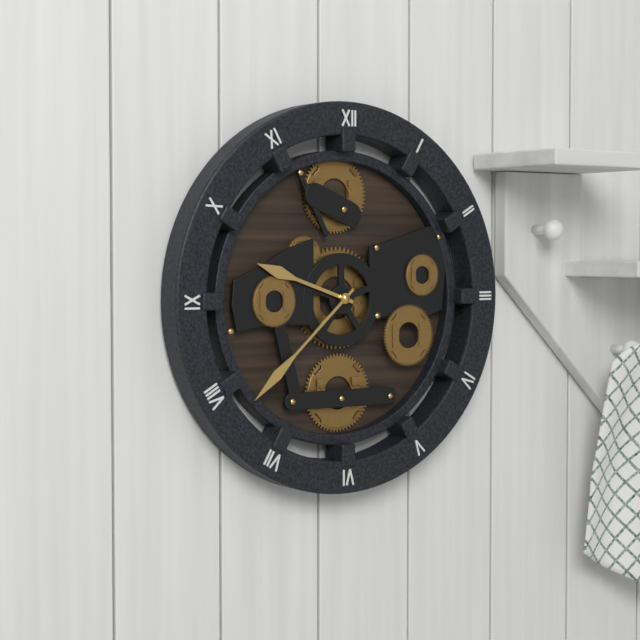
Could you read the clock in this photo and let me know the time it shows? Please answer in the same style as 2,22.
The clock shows 9,38
